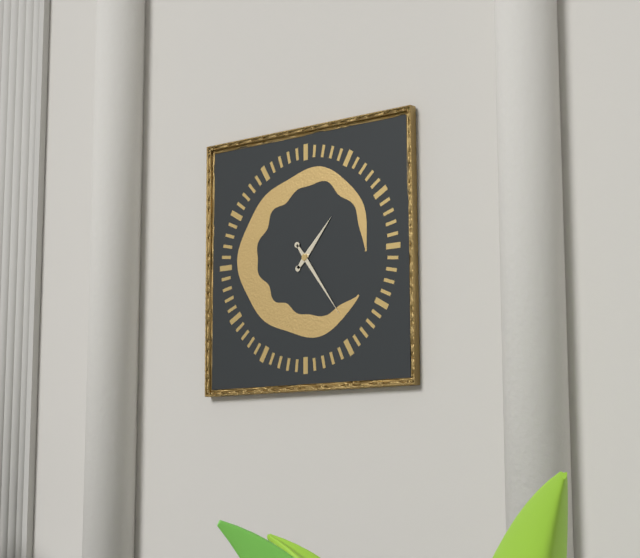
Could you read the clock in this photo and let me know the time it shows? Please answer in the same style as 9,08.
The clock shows 1,24
